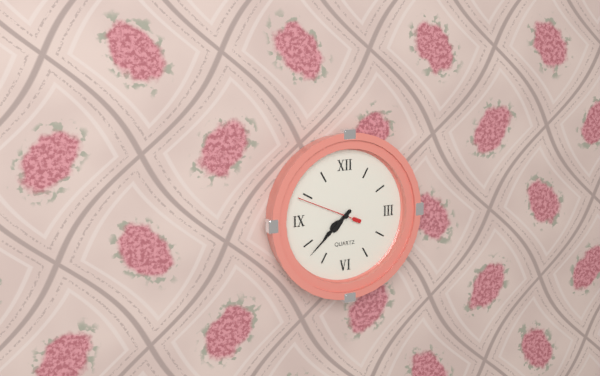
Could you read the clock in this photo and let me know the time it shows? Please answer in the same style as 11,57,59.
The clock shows 7,38,49
